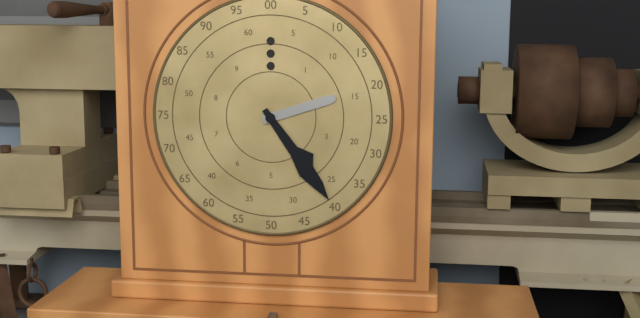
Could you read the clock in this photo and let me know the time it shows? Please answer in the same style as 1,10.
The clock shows 2,24
